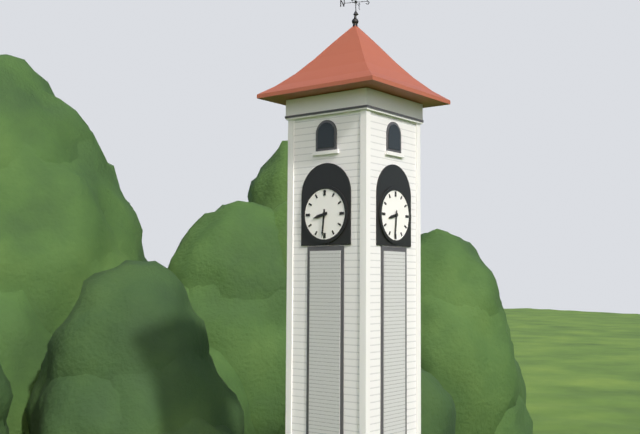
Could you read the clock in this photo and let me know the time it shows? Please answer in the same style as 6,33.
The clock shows 8,31
